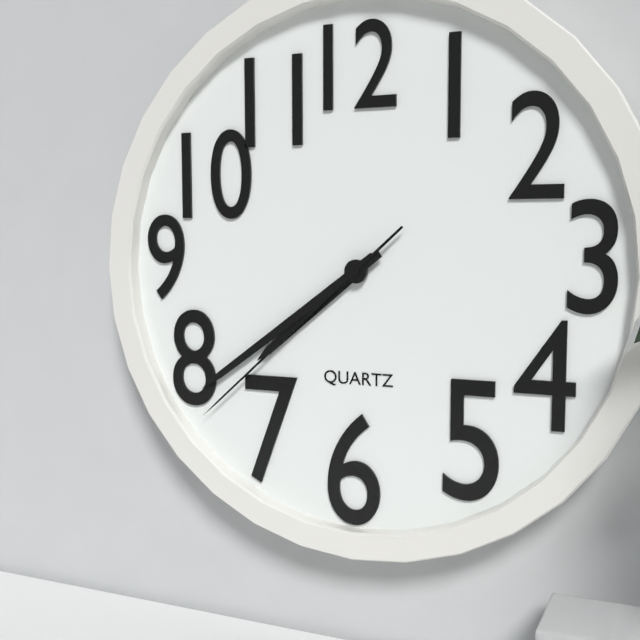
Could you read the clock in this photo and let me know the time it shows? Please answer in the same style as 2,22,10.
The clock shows 7,39,38
